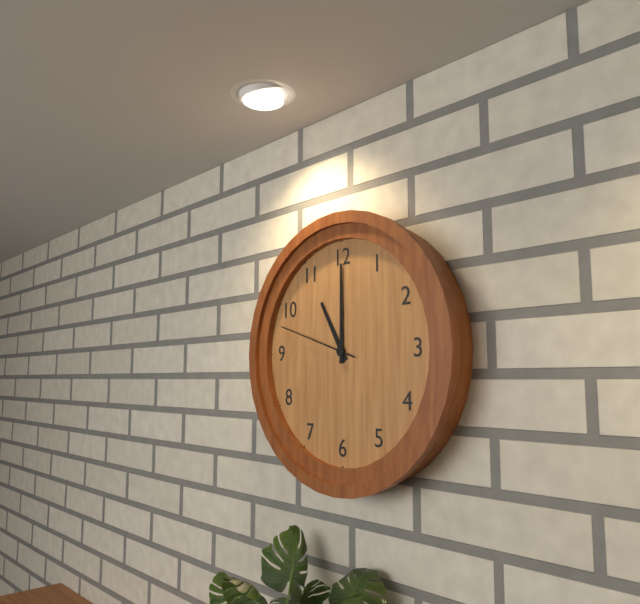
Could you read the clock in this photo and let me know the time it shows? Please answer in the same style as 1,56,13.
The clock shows 11,00,48
